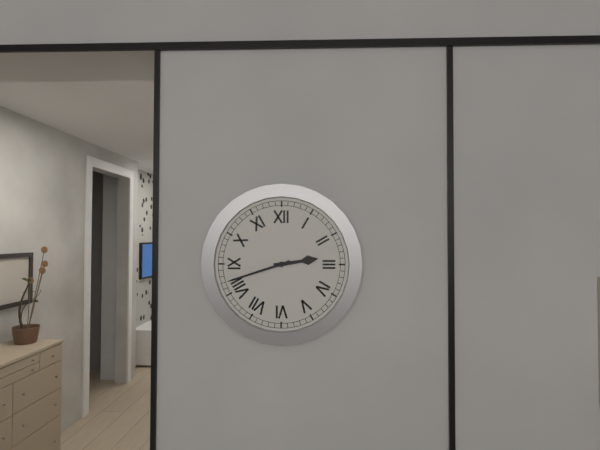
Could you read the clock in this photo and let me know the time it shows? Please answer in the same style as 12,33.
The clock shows 2,42
